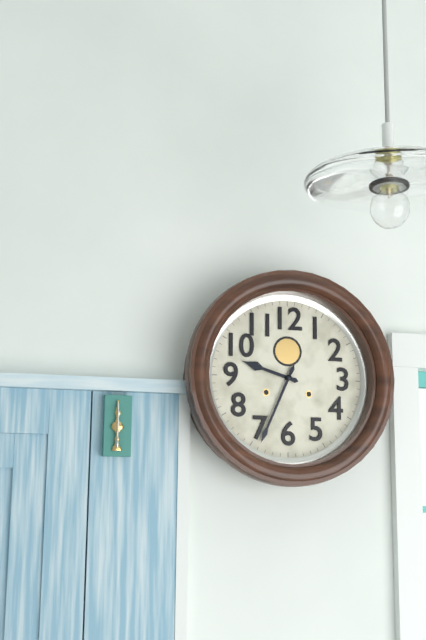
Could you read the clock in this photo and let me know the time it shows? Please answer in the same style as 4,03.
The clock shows 9,34
